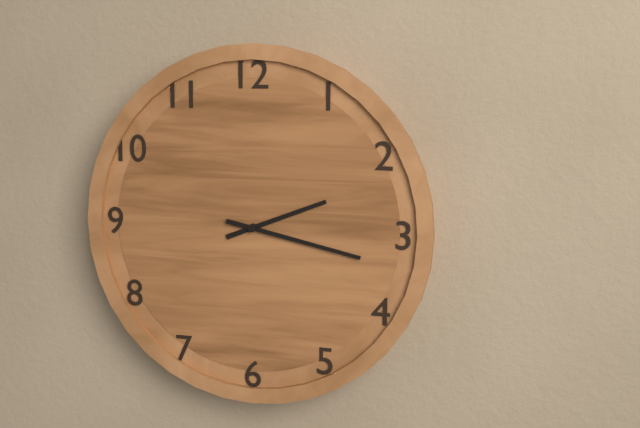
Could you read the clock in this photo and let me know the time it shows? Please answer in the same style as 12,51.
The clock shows 2,17
